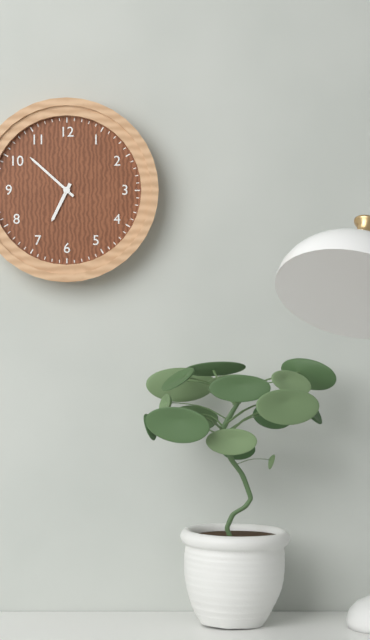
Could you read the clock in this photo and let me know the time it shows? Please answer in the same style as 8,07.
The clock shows 6,52
